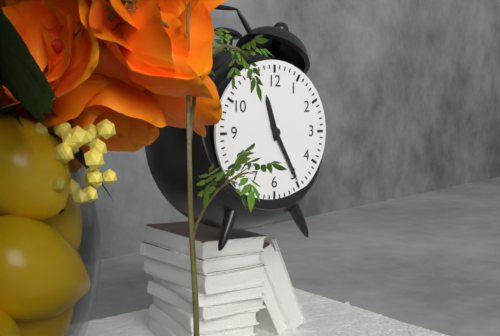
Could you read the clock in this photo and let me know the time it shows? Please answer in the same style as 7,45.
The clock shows 11,25
